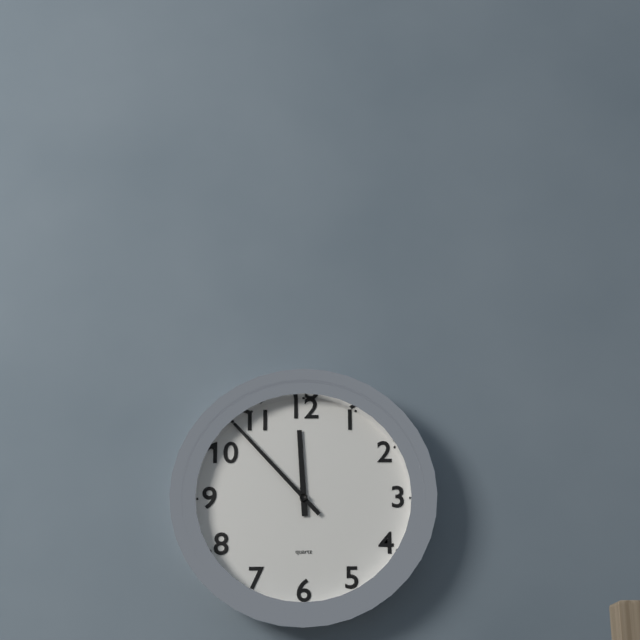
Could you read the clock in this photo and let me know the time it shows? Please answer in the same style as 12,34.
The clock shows 11,53
